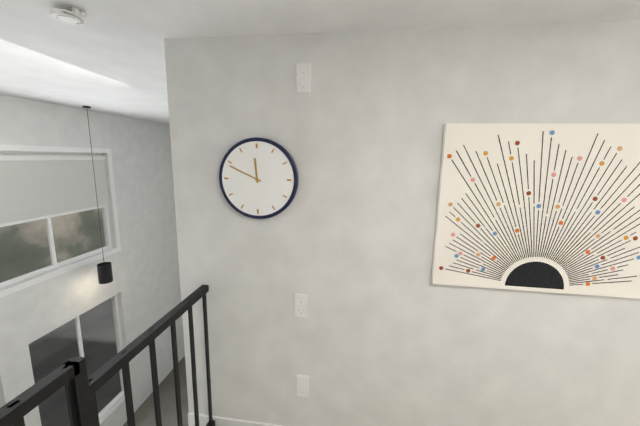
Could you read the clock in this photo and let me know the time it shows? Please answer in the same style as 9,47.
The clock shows 11,49
